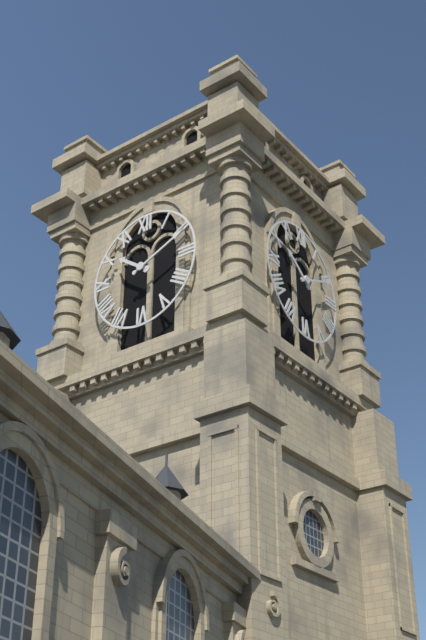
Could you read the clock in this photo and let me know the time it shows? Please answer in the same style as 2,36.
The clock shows 10,11
